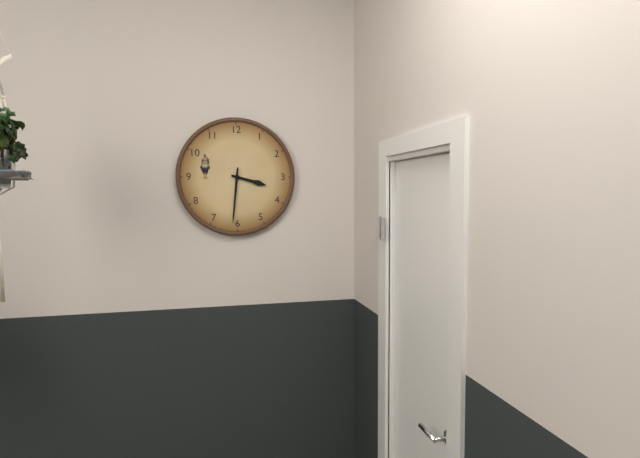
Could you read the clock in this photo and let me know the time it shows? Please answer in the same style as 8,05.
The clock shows 3,31
